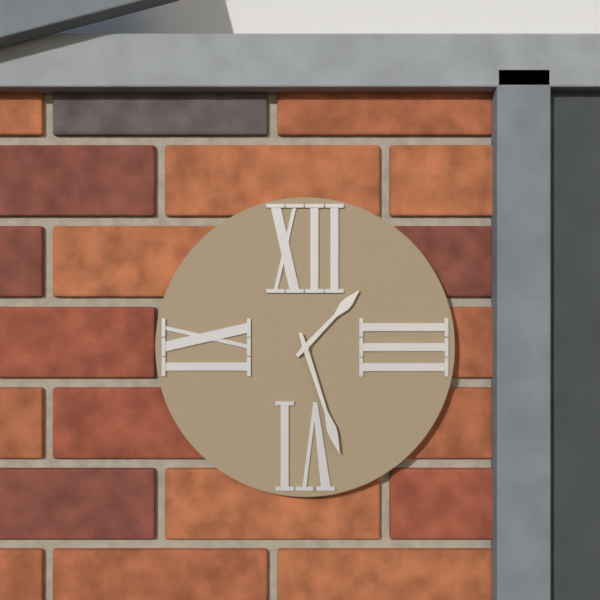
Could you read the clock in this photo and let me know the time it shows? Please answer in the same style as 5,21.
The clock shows 1,27
